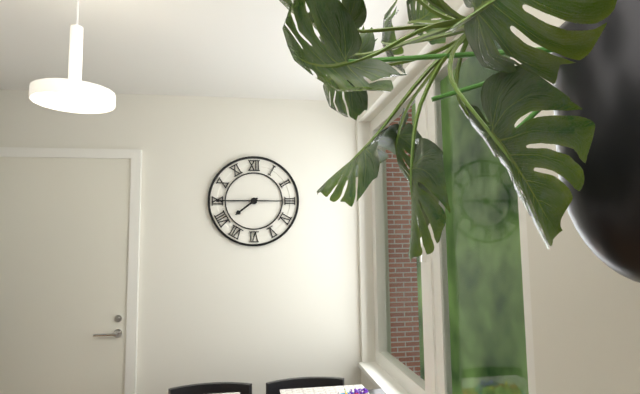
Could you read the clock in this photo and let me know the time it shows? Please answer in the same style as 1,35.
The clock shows 7,45
